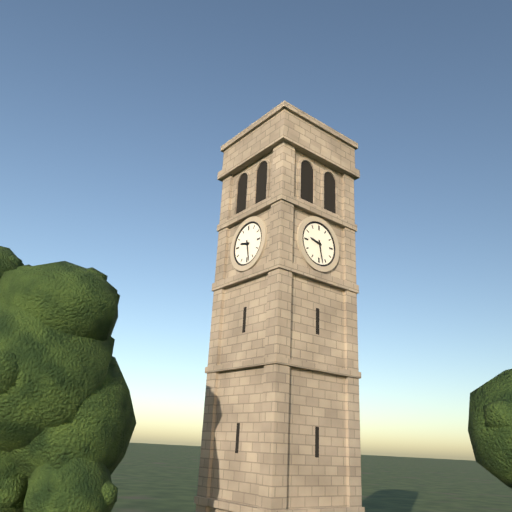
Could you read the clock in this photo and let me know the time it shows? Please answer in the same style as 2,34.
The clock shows 9,28
